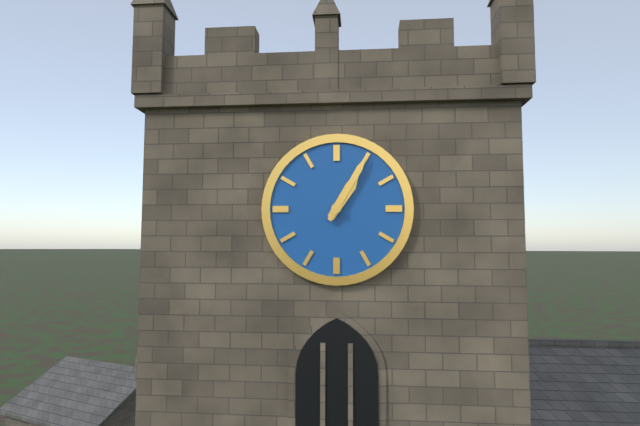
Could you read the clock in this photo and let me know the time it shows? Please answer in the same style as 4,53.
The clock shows 1,05
